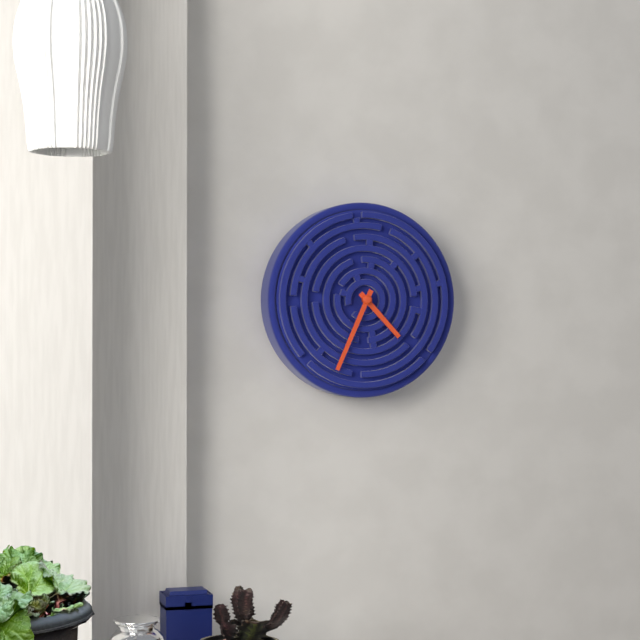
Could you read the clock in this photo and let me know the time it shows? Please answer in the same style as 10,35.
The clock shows 4,34
